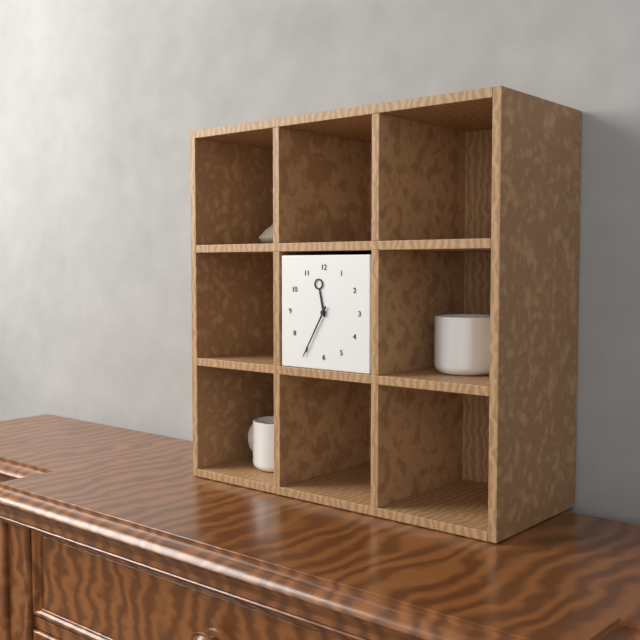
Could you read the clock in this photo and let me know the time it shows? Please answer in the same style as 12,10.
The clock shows 11,35
